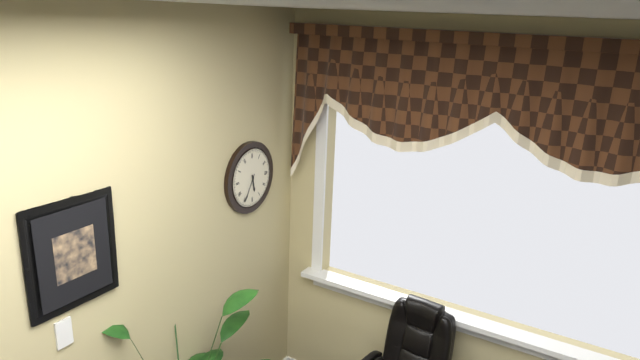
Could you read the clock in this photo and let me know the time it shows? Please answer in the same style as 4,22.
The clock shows 5,35
